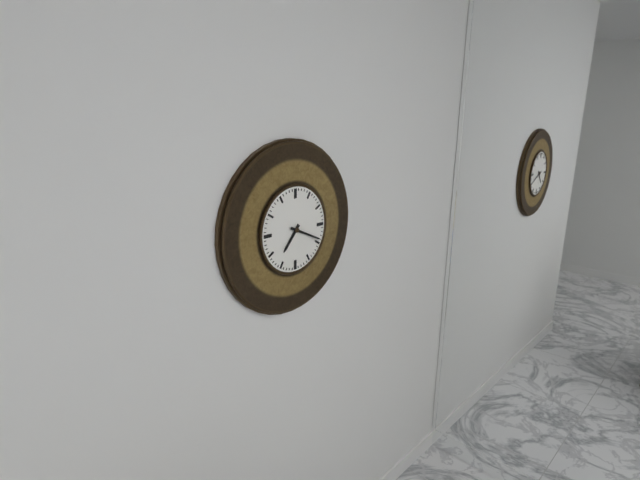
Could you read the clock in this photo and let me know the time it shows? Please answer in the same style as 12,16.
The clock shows 7,19
